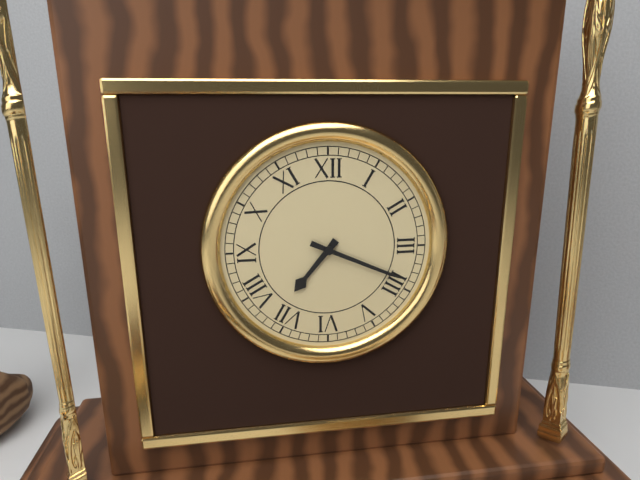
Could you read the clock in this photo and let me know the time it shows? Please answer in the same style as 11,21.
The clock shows 7,19
